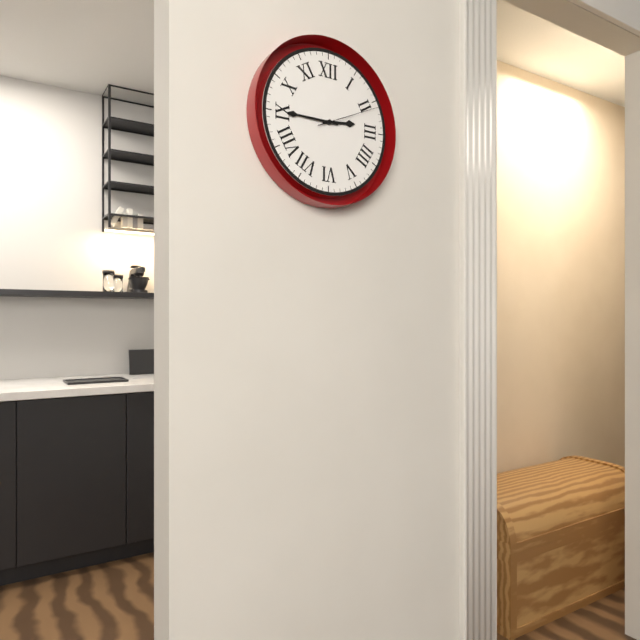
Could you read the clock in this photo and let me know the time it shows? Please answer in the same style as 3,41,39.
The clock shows 2,45,11
